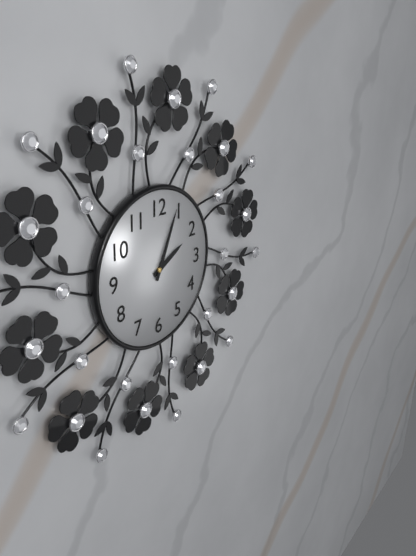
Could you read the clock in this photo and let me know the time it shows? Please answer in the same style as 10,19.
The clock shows 2,04
